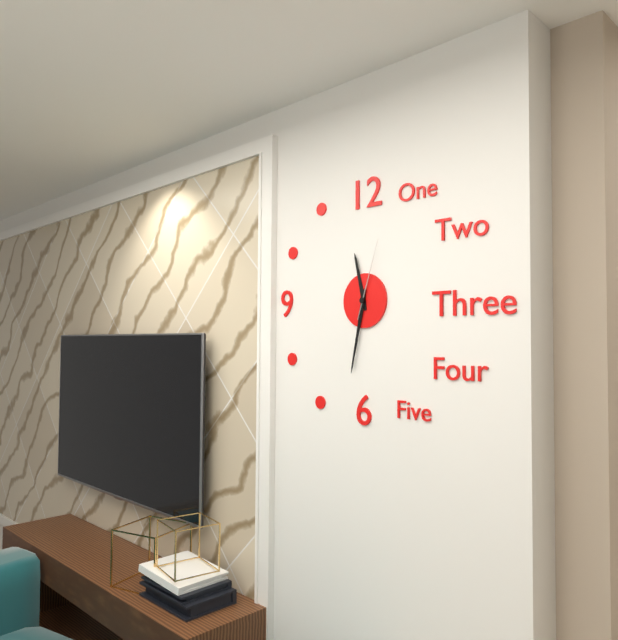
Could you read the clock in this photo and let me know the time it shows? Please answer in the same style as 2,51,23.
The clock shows 11,32,03
